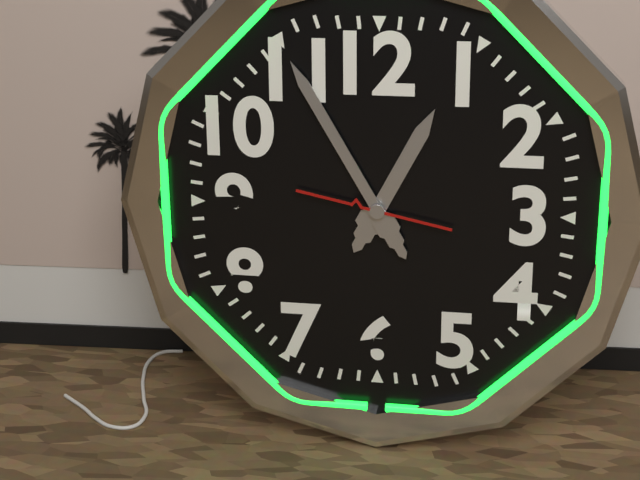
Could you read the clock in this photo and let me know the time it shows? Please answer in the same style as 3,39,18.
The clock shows 12,55,47
